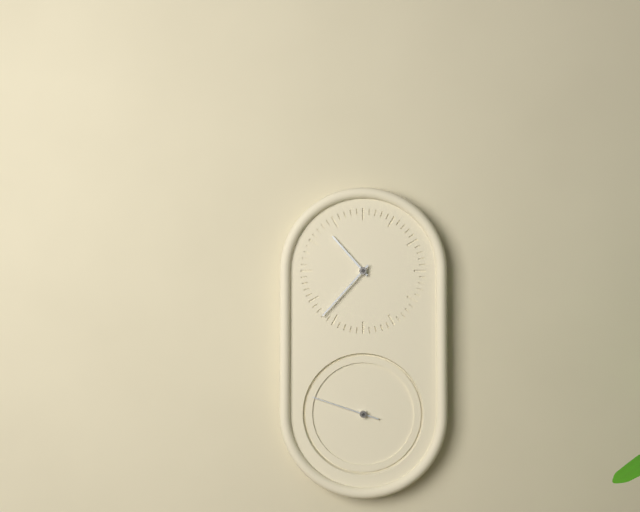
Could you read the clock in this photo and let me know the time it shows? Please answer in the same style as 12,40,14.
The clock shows 10,37,48
